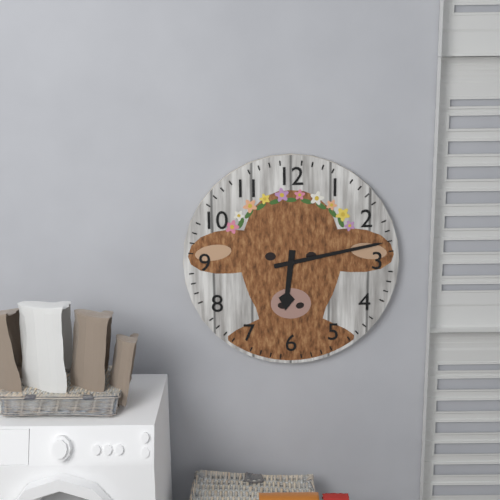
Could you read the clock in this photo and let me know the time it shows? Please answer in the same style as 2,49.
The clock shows 6,13
